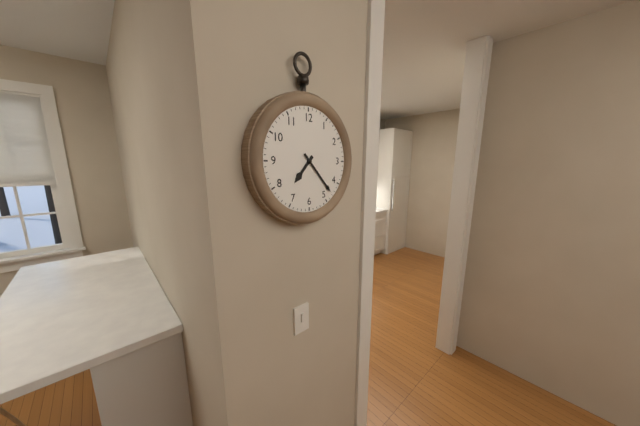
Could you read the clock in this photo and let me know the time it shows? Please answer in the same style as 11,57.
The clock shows 7,23
